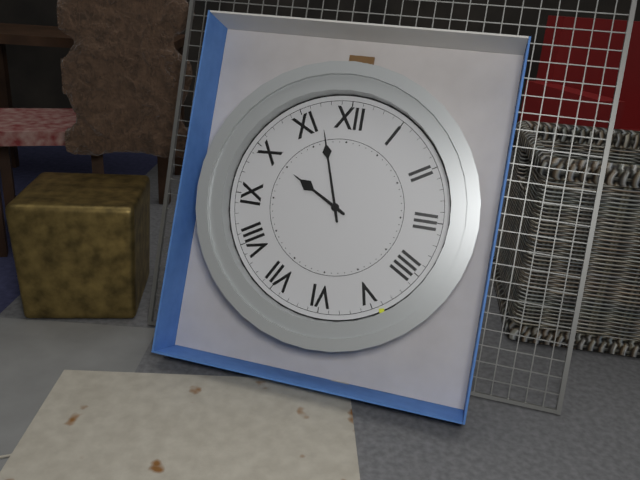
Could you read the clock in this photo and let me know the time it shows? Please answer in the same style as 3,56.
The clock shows 9,57
